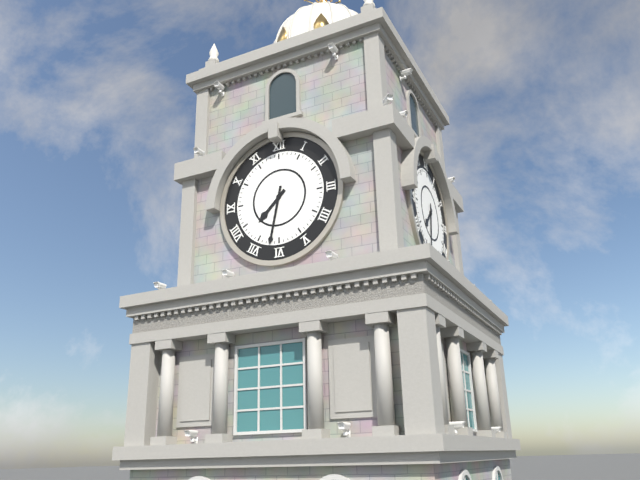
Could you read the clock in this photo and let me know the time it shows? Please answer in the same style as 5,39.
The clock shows 7,32
